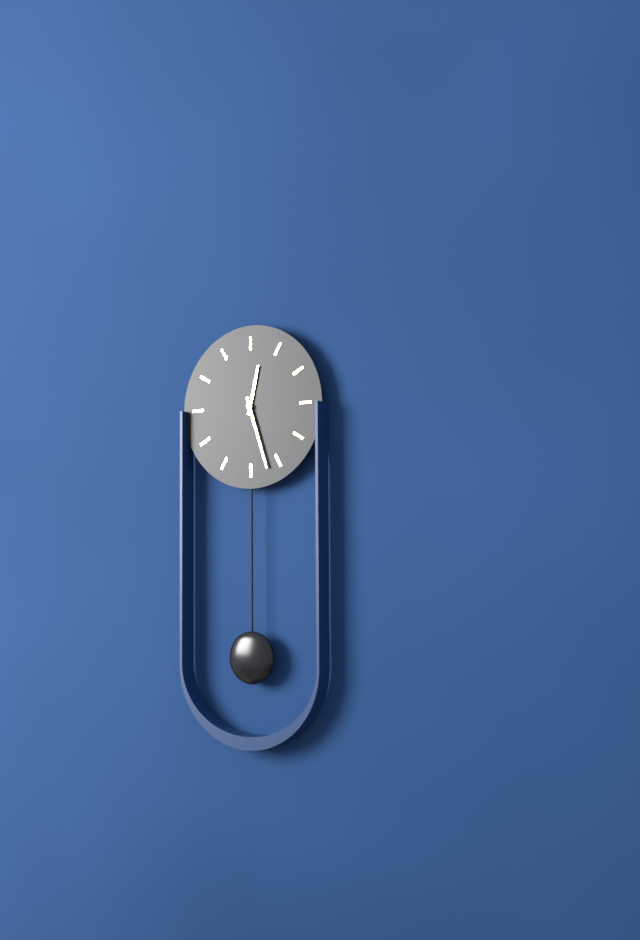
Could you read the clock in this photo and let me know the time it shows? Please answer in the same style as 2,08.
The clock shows 12,27
